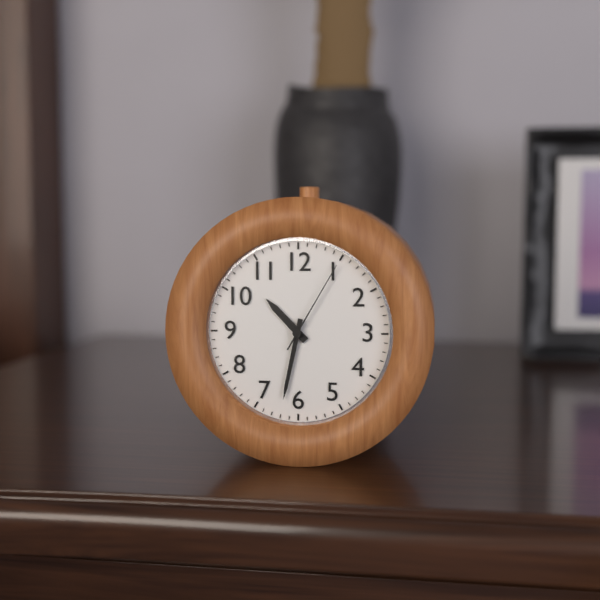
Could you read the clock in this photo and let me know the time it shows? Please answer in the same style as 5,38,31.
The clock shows 10,32,05
